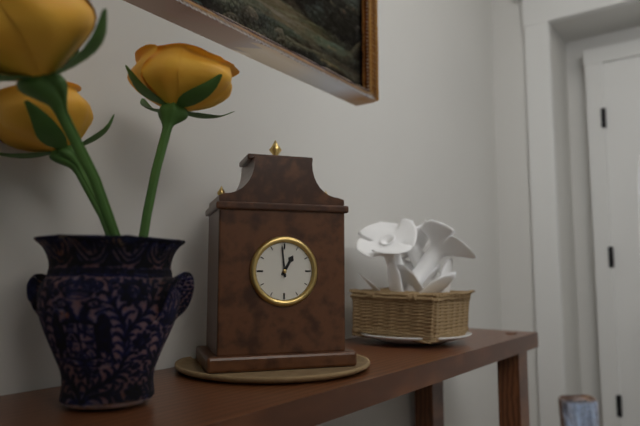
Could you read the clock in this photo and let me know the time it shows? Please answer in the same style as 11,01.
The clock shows 12,59
